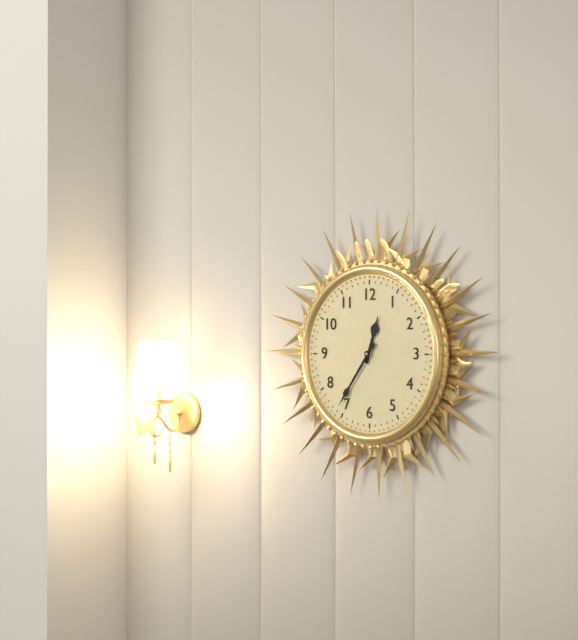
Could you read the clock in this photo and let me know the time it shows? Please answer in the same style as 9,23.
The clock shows 12,36
